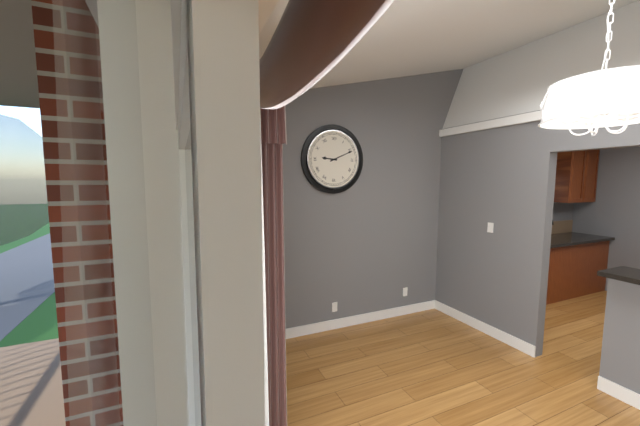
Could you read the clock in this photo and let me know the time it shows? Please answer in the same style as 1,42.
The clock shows 9,11
